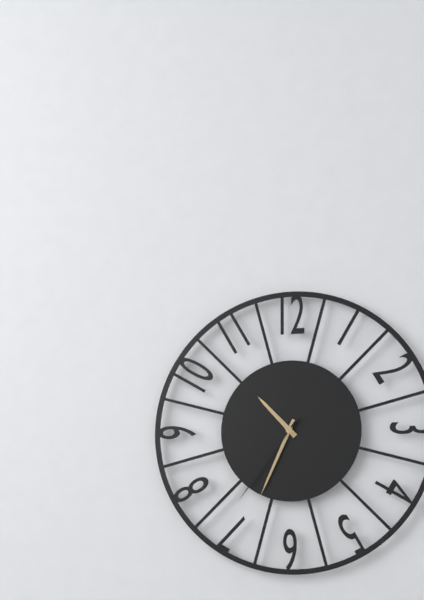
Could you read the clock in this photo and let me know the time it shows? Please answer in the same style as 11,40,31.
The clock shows 10,34,36
